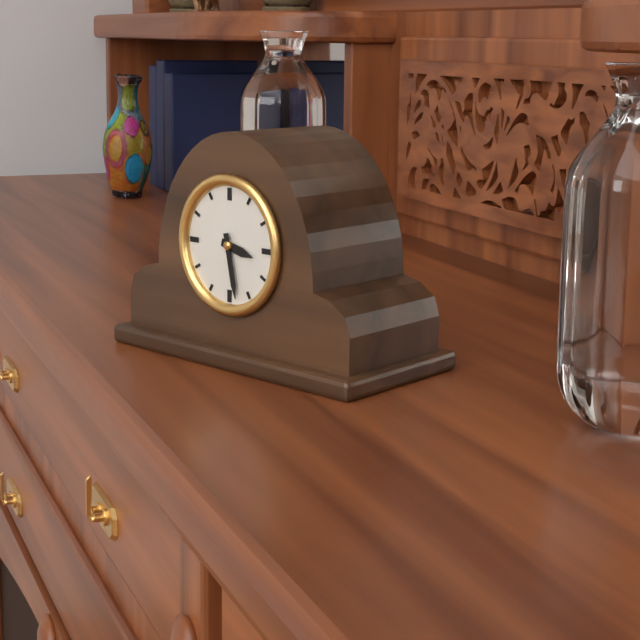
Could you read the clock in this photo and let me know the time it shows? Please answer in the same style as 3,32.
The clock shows 3,28
